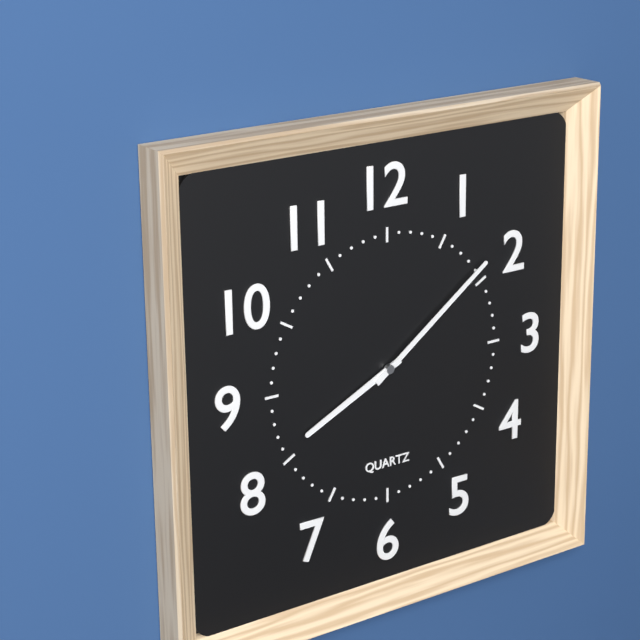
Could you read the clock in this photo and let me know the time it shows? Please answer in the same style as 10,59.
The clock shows 8,09
